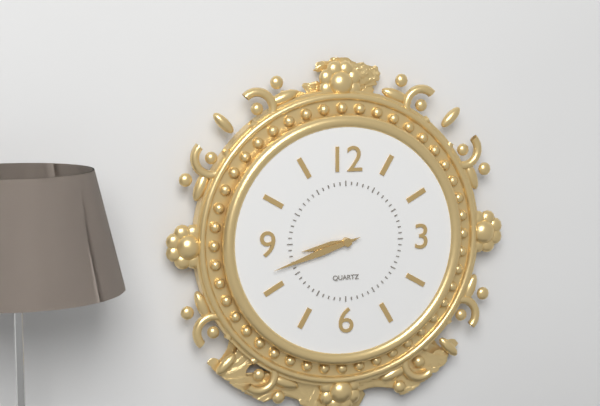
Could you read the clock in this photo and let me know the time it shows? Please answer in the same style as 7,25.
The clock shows 8,42
